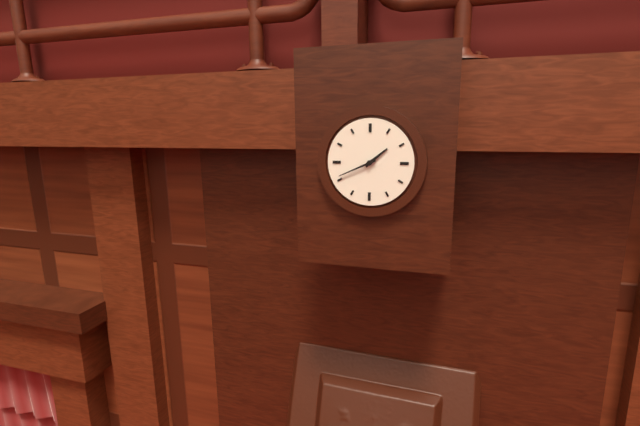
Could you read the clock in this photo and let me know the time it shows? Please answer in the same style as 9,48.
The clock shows 1,41
